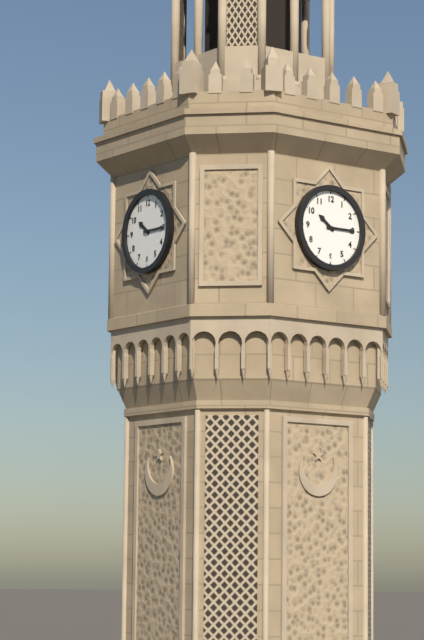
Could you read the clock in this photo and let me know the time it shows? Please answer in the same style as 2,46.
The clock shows 10,15
